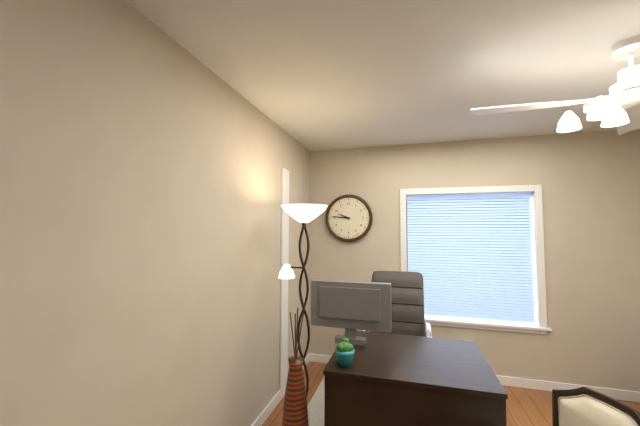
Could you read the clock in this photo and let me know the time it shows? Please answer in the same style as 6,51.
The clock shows 9,46
